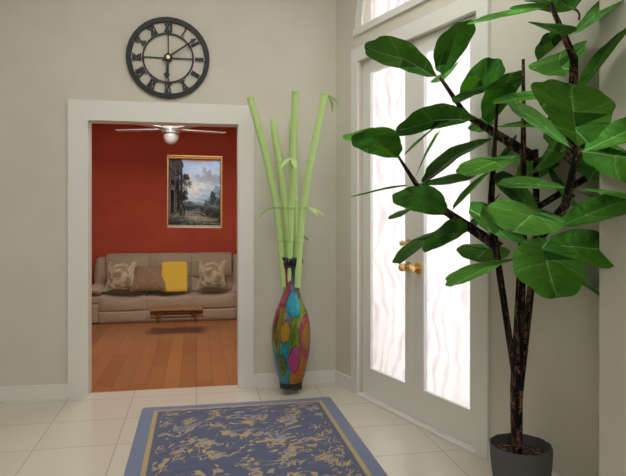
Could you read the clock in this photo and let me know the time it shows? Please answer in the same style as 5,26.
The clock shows 6,09
